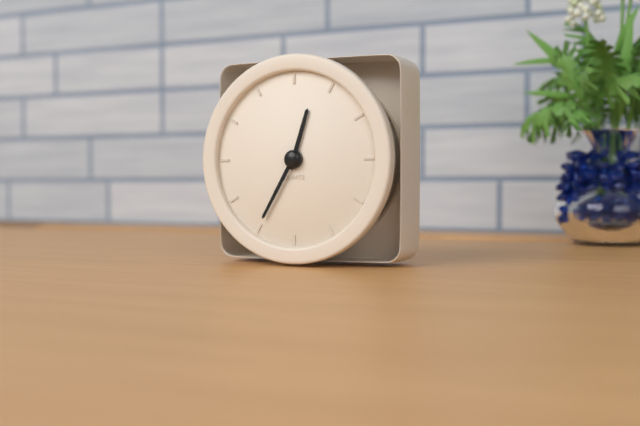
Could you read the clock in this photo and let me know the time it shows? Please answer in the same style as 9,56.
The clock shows 12,35
